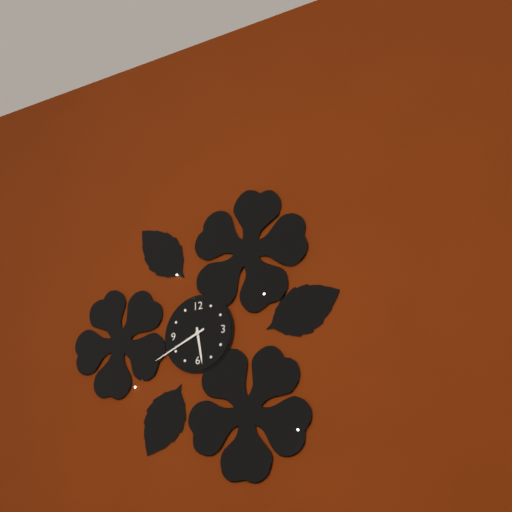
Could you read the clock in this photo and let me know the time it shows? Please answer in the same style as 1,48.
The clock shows 5,41
